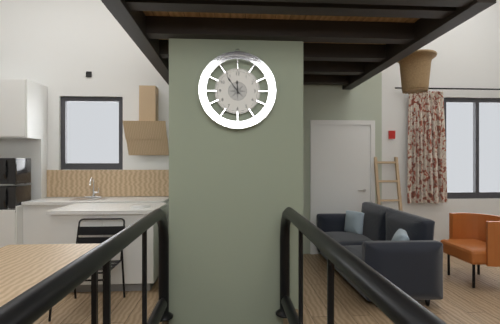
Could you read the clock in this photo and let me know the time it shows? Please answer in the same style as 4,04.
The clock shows 11,54
